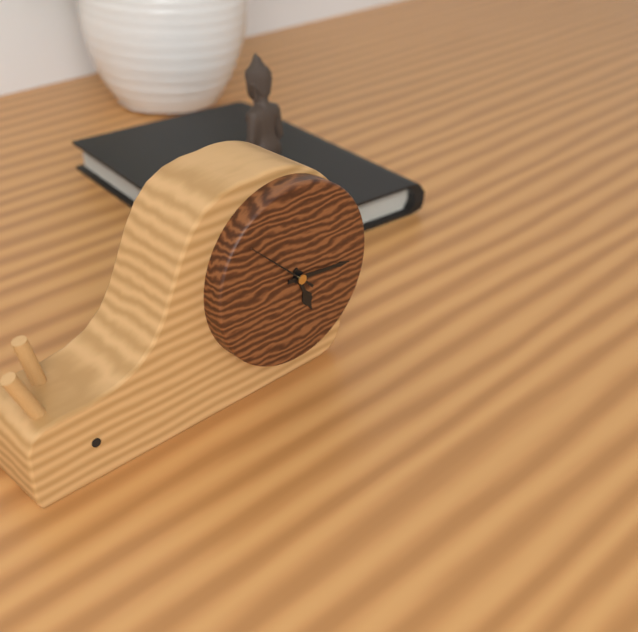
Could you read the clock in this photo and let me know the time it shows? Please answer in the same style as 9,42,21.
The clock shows 5,16,52
